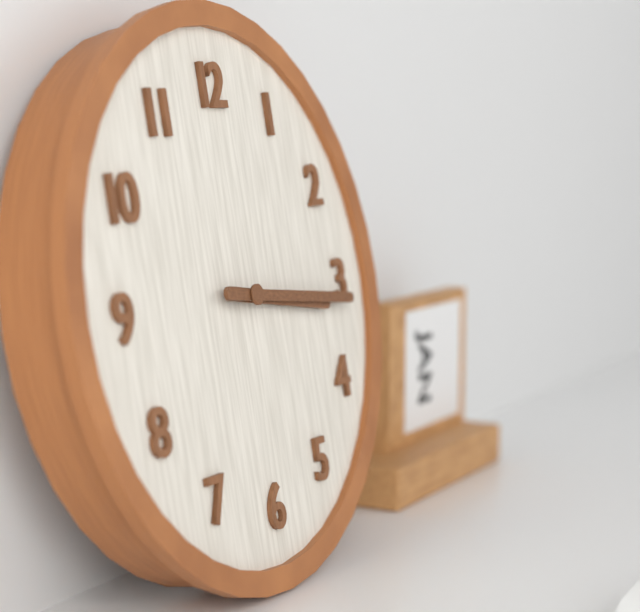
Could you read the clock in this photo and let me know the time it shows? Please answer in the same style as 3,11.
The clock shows 3,16
